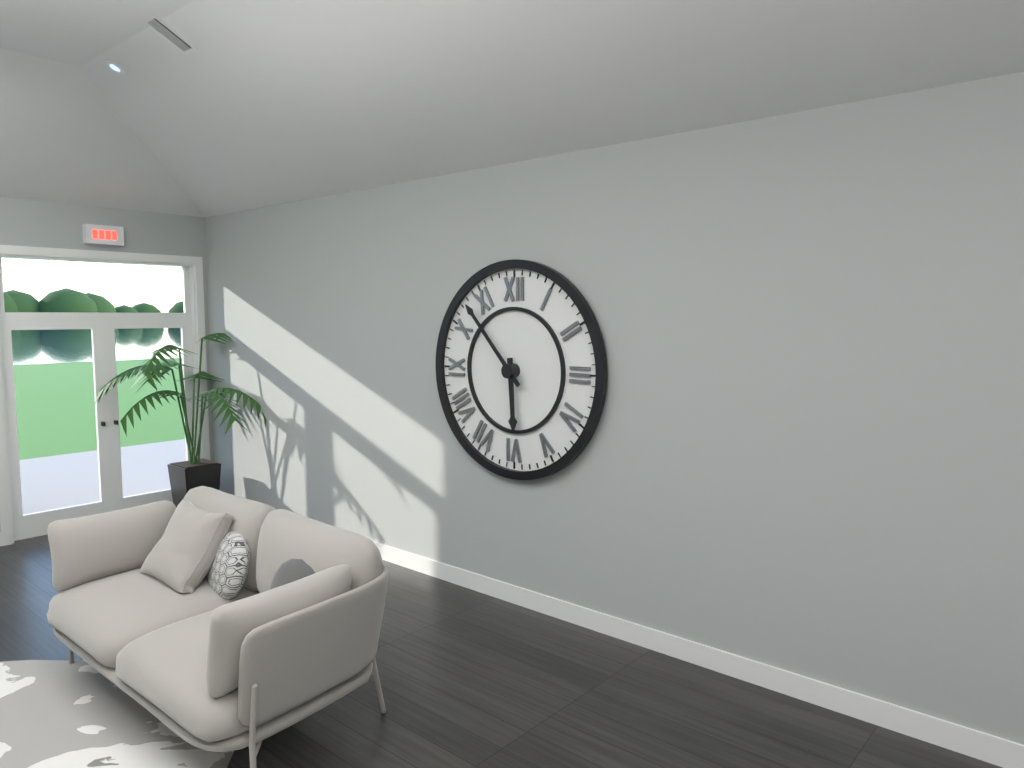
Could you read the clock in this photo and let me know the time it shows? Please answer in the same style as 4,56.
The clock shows 5,53
